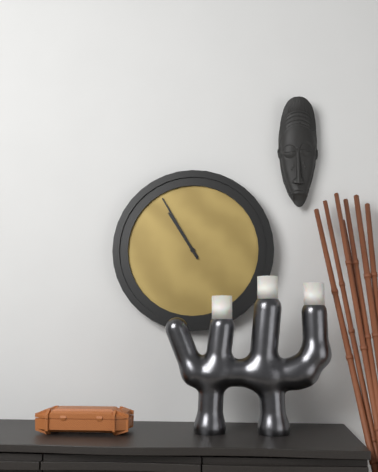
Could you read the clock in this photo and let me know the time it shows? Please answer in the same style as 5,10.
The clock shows 10,55
